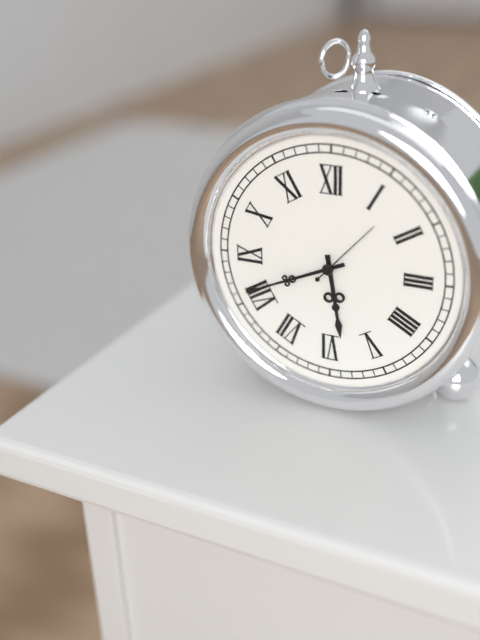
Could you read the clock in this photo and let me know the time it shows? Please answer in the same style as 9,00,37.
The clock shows 5,41,07
